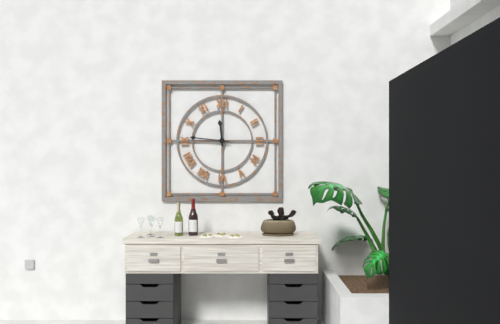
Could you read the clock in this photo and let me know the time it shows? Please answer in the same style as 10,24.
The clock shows 11,46
